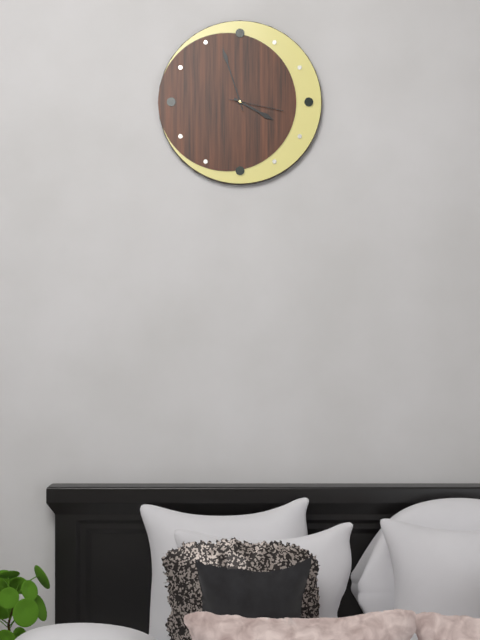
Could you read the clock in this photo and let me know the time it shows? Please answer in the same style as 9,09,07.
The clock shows 3,57,17
